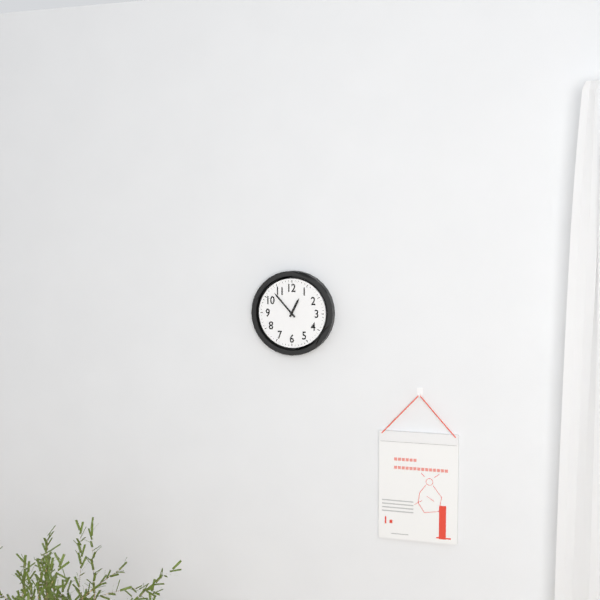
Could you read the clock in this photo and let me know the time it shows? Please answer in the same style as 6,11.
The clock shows 12,53
